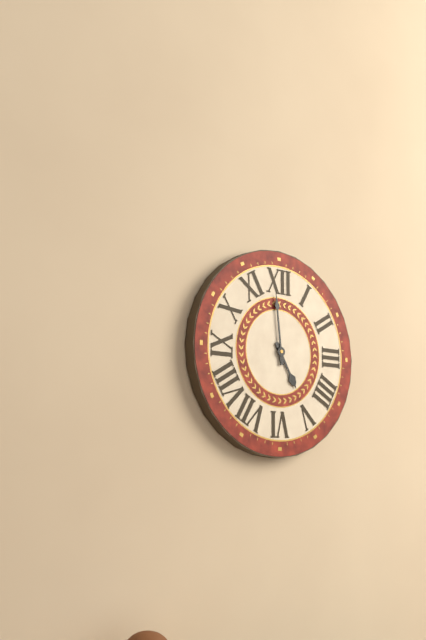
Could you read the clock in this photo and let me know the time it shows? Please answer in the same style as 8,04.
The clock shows 4,59
